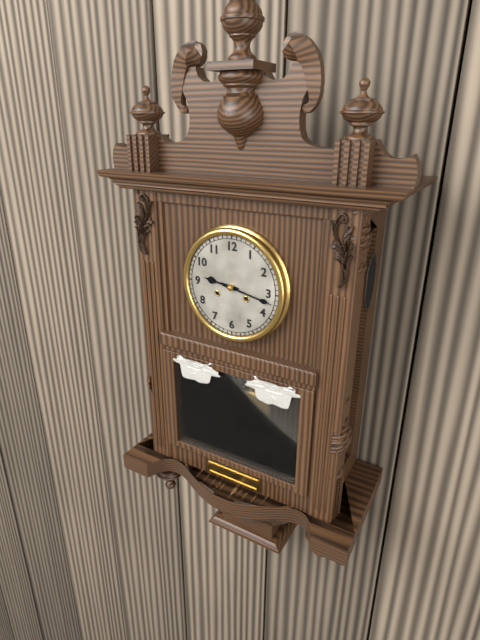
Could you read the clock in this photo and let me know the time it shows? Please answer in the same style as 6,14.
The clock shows 9,17
